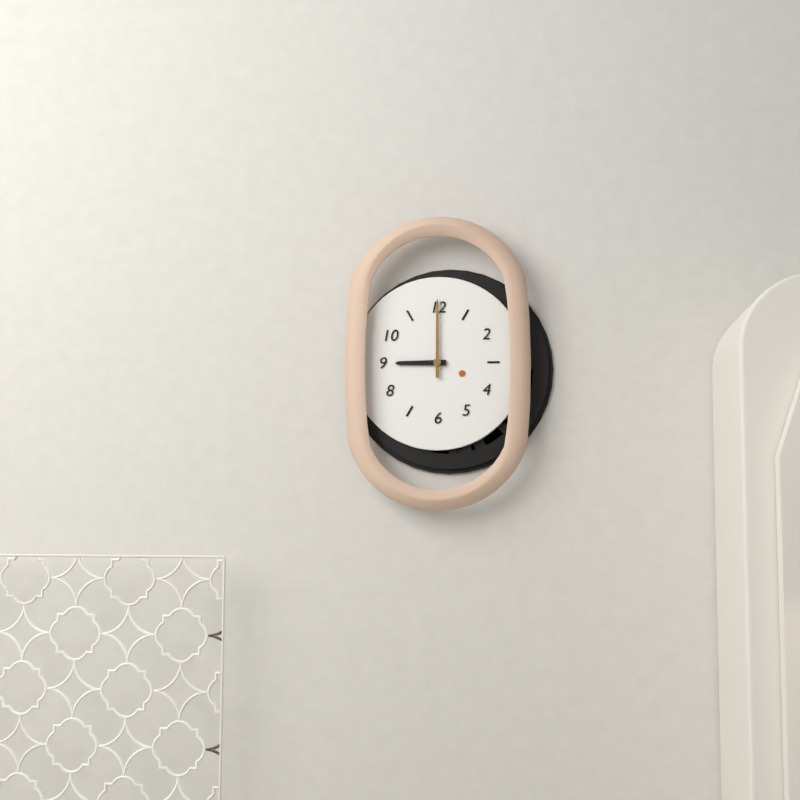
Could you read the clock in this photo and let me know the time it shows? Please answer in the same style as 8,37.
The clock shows 9,00
